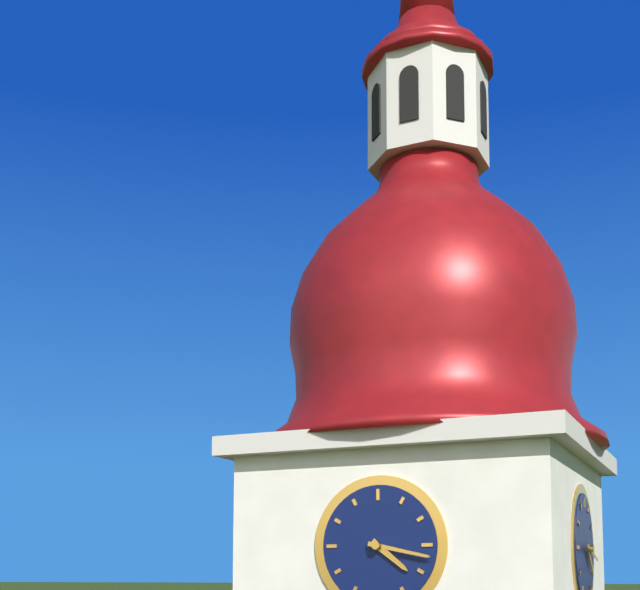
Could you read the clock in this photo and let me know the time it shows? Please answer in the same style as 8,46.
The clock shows 4,17
